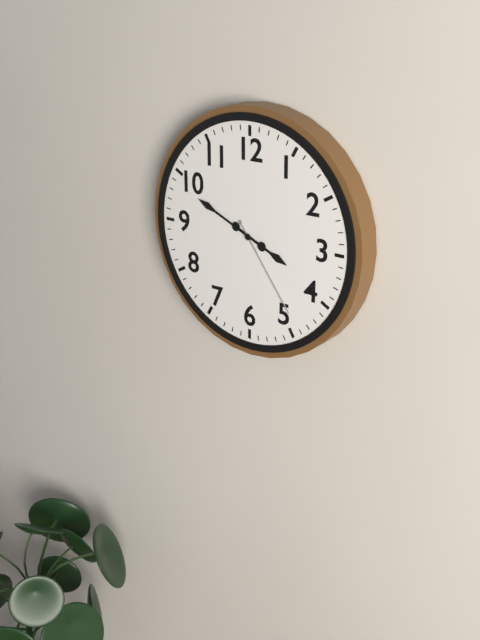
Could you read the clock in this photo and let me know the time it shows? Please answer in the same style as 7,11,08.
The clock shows 3,49,24
